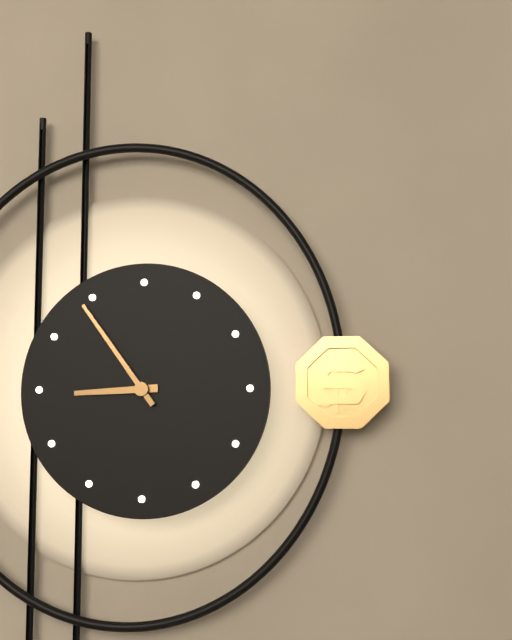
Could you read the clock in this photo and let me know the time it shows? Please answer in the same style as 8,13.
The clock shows 8,54
